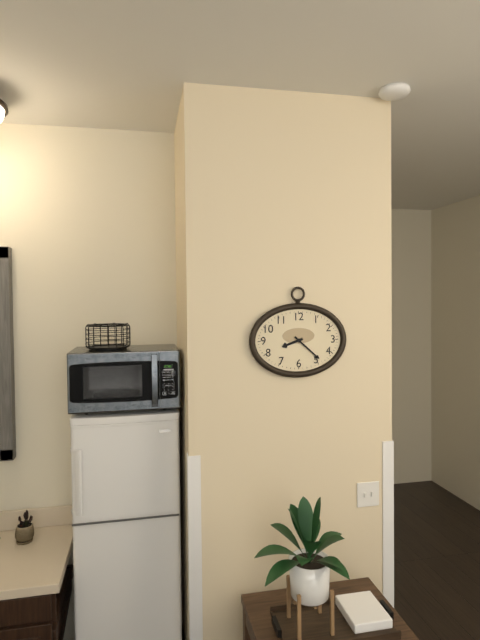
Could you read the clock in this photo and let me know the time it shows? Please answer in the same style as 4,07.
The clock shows 8,22
